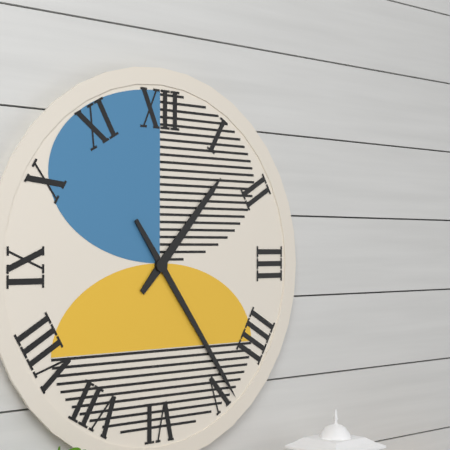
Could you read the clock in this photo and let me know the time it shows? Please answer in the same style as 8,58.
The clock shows 1,24
